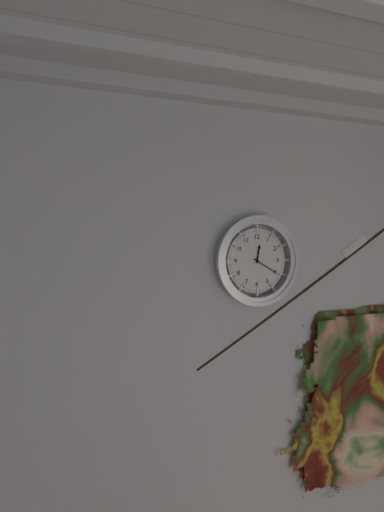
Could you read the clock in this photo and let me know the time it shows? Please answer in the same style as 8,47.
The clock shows 12,20
